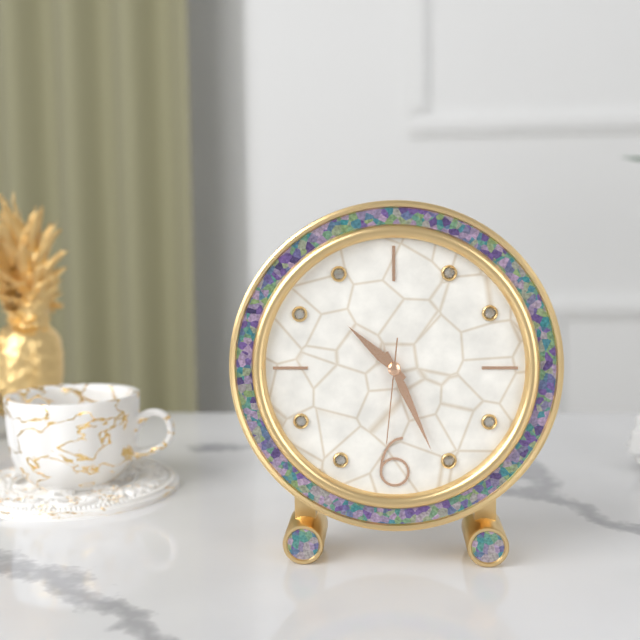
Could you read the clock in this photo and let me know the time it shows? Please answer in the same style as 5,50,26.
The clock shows 10,26,31
